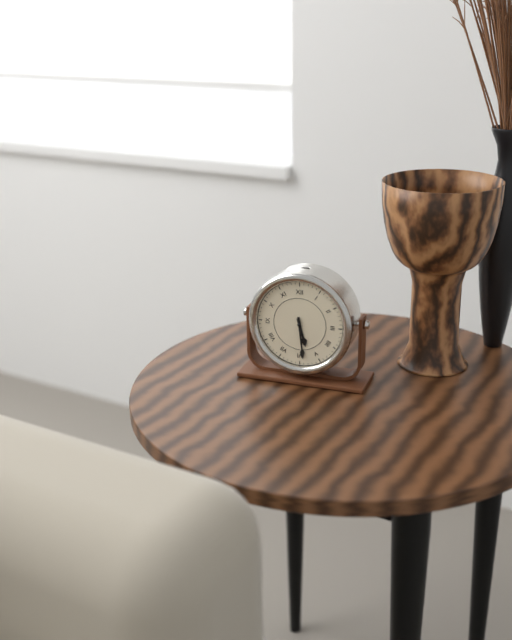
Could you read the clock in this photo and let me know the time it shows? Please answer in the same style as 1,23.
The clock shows 5,29
